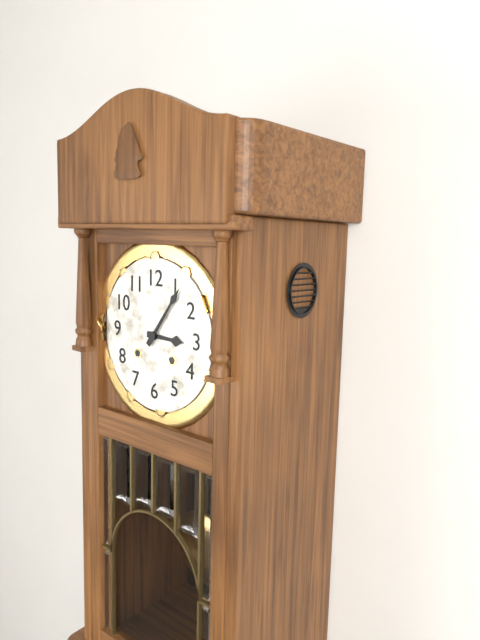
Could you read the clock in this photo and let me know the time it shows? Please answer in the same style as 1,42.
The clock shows 3,06
